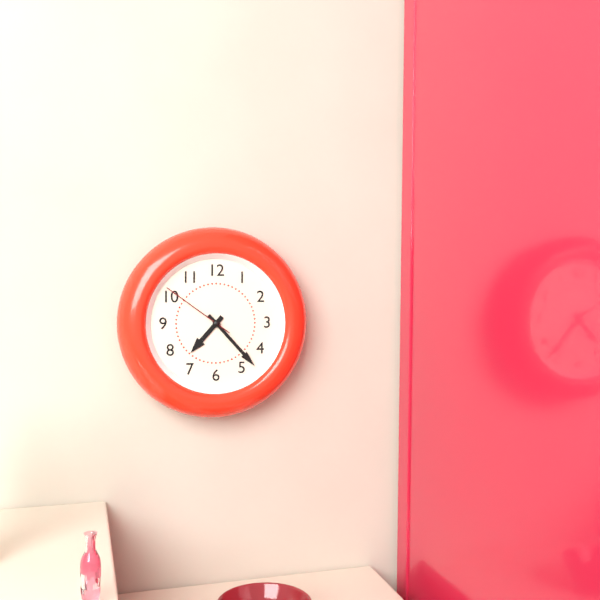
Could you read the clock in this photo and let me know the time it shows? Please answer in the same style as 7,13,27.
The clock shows 7,23,51
